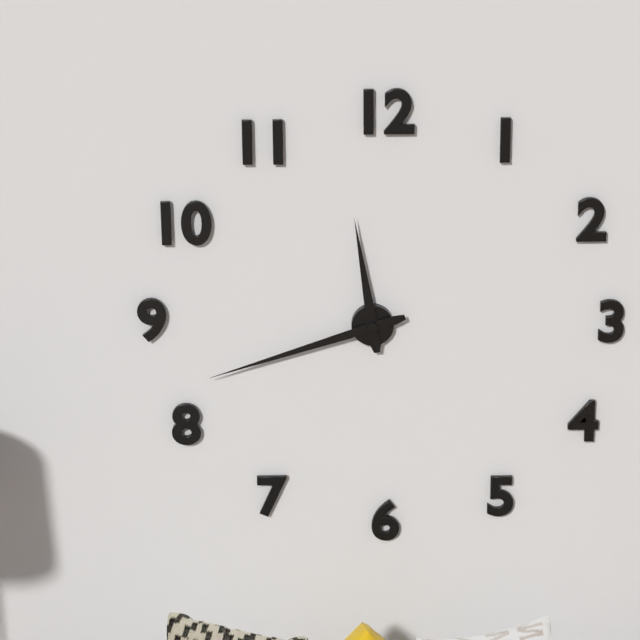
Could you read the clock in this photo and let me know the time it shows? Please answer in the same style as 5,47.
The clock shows 11,42
